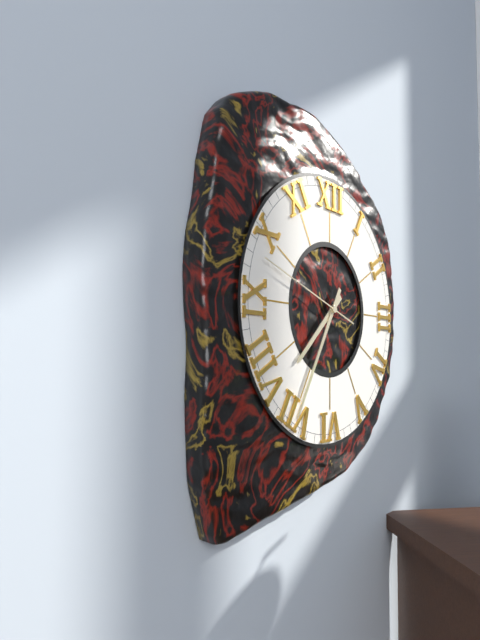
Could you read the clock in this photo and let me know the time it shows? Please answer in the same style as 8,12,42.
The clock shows 7,35,48
